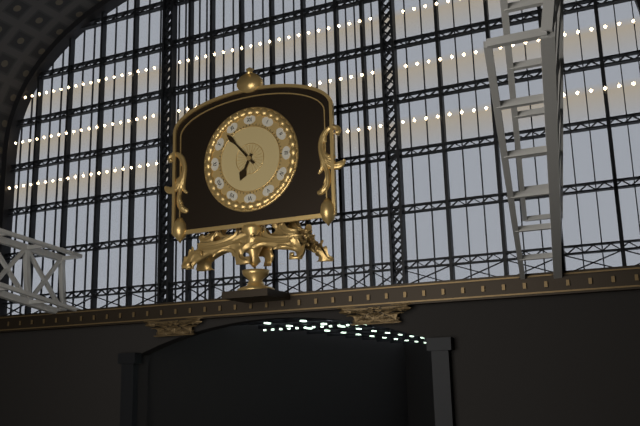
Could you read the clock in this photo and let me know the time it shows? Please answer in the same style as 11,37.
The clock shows 6,53
